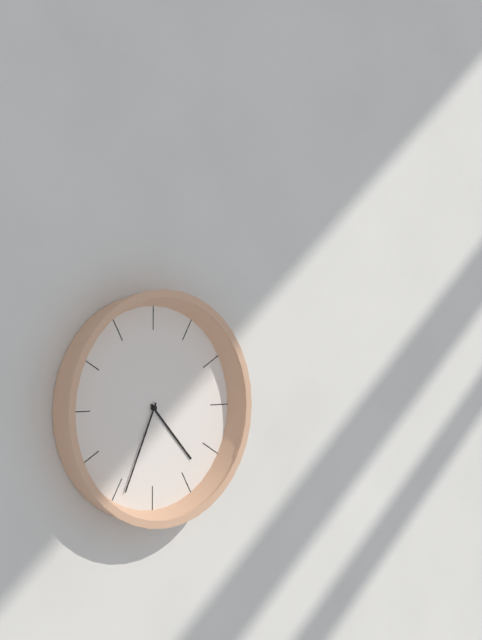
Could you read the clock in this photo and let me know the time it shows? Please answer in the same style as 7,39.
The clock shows 4,34
